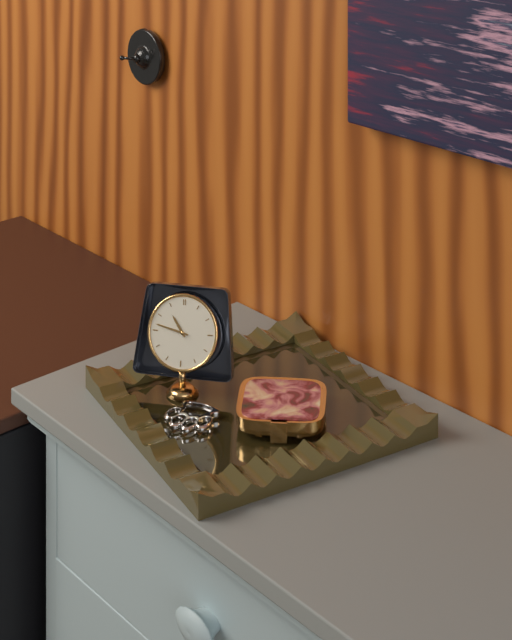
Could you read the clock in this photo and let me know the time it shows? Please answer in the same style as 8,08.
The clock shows 10,47
